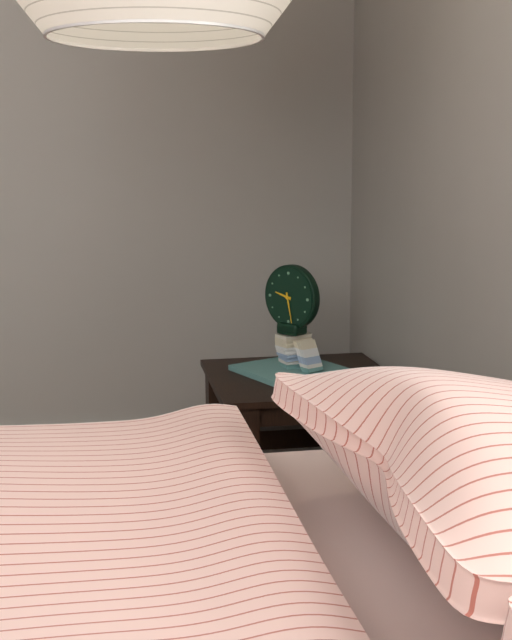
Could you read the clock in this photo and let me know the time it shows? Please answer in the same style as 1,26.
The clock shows 9,28
